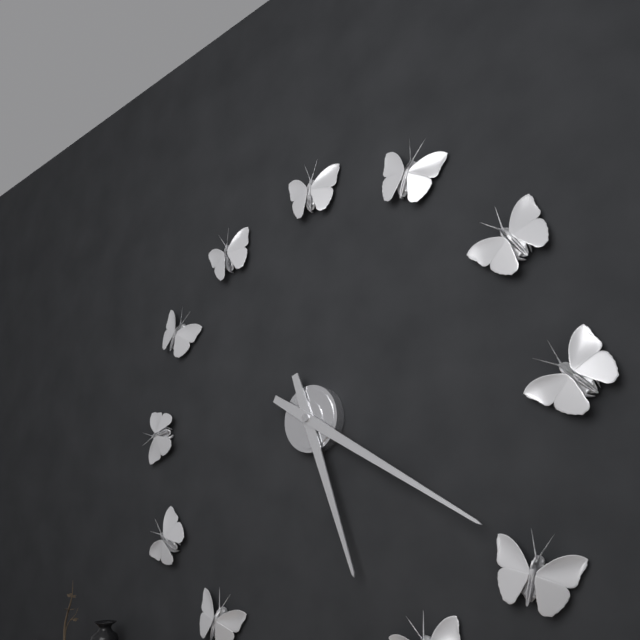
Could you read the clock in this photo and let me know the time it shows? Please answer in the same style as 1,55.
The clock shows 5,20
